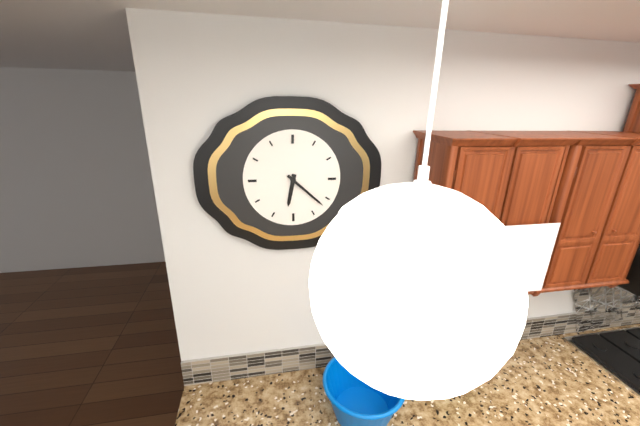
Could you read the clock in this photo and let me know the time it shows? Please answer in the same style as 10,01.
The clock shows 6,22
